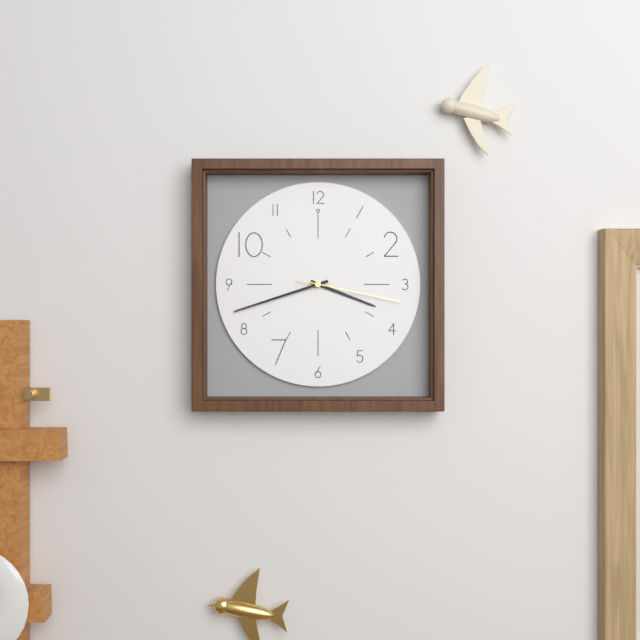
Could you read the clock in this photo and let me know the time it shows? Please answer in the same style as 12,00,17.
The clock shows 3,42,17
